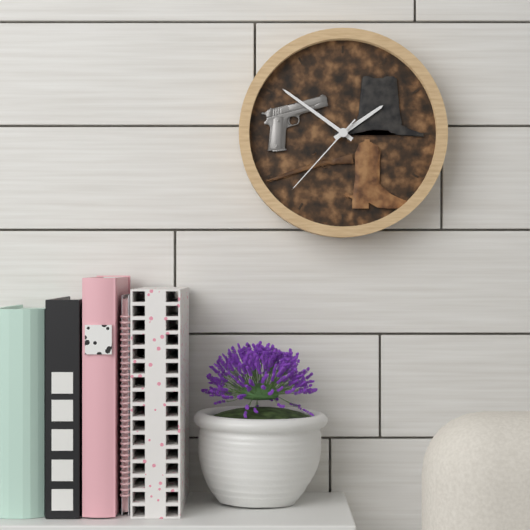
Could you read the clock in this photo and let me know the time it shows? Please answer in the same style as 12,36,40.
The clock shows 1,51,37
